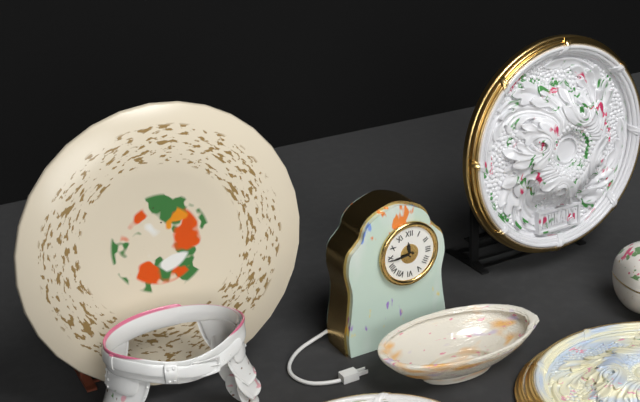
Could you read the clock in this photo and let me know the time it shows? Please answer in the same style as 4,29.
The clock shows 11,44
